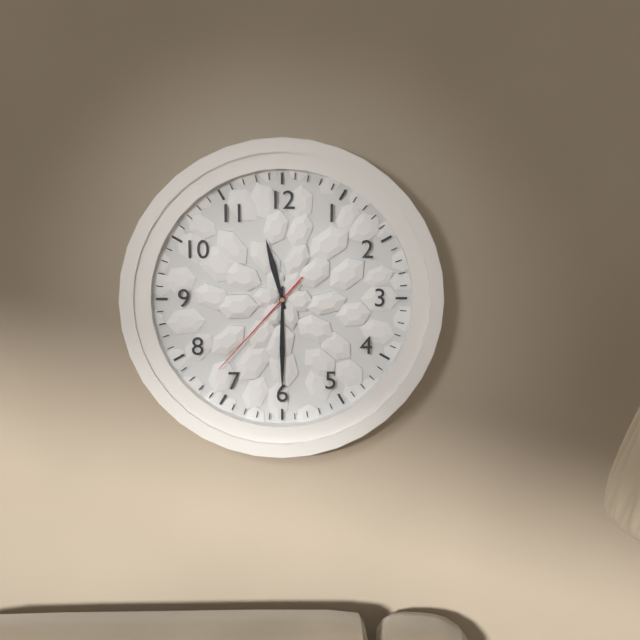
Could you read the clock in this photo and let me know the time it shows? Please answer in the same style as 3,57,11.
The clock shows 11,30,37
